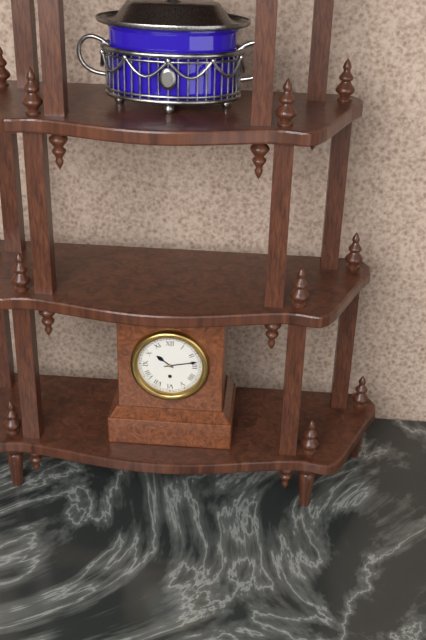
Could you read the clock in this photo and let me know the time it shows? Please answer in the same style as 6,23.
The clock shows 10,13
